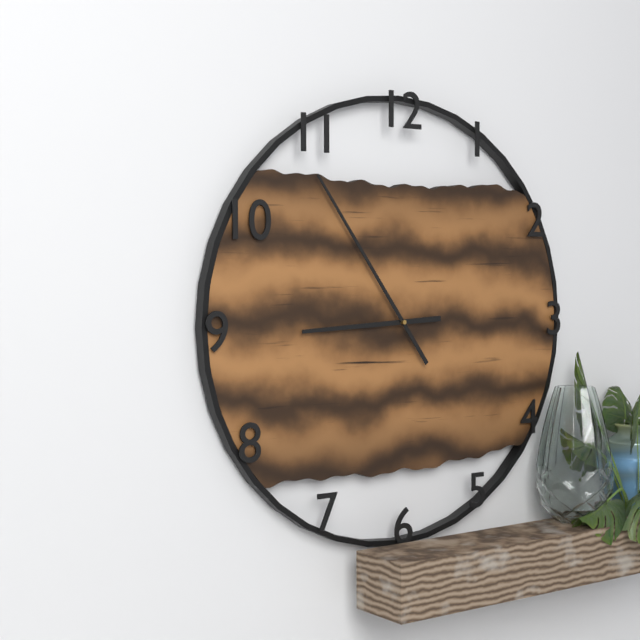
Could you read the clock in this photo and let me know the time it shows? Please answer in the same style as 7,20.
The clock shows 8,54
